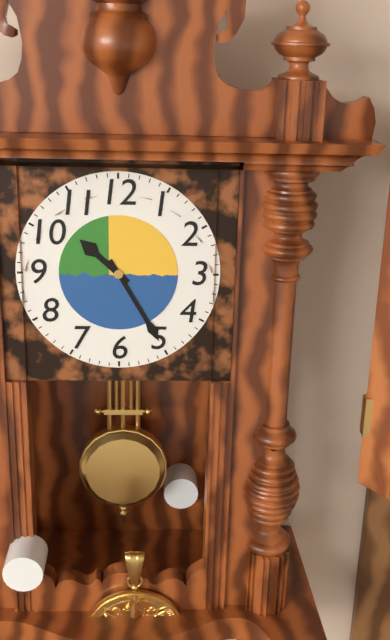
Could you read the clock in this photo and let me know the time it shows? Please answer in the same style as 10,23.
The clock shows 10,25
